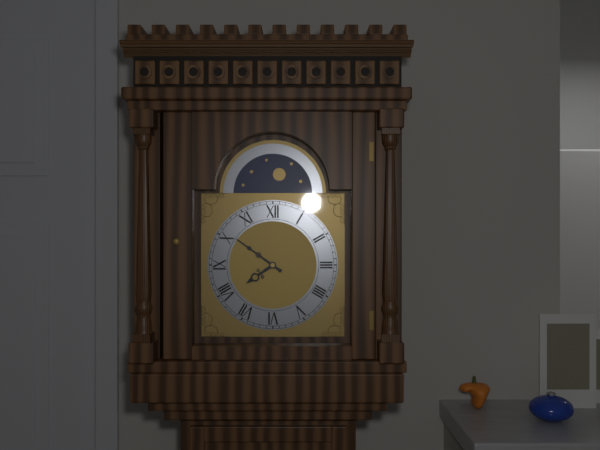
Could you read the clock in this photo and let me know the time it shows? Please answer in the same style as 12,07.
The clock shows 7,51
